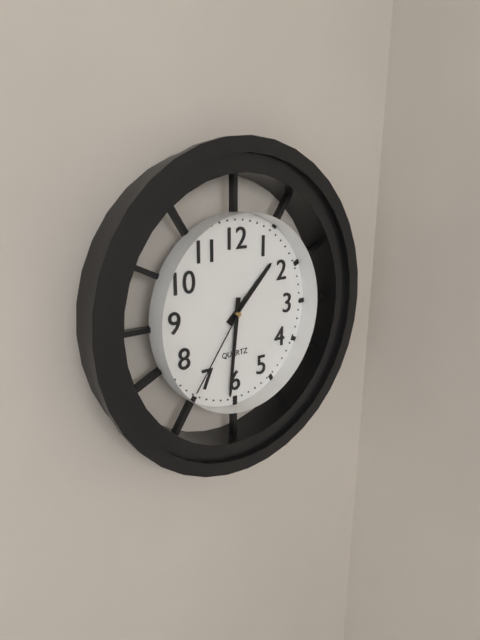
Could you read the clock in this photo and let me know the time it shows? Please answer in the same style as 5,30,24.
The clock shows 1,31,36
